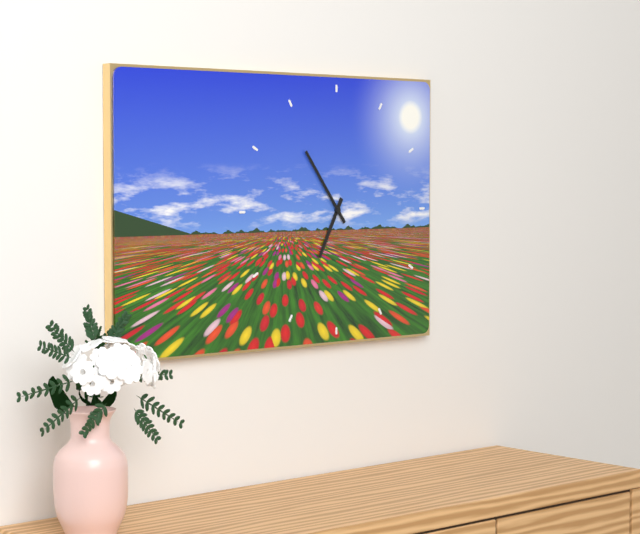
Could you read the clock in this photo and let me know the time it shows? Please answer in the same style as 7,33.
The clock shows 6,54
